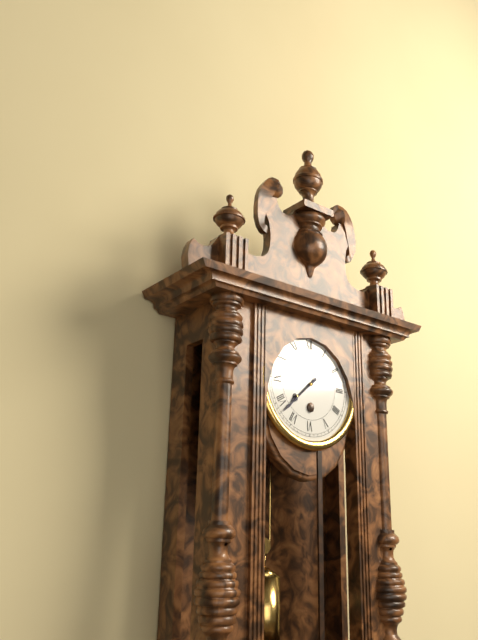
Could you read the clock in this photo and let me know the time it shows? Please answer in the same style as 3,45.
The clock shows 7,38
